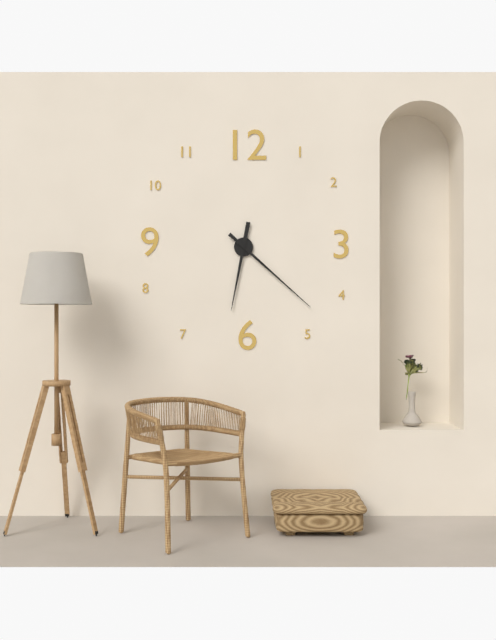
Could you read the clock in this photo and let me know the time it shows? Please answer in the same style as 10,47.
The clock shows 6,22
